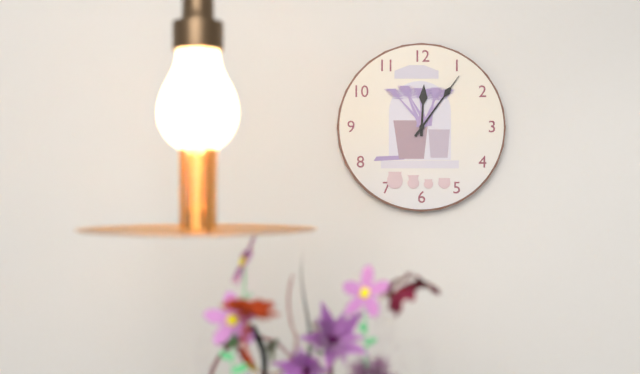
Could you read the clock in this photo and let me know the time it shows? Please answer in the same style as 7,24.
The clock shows 12,06
